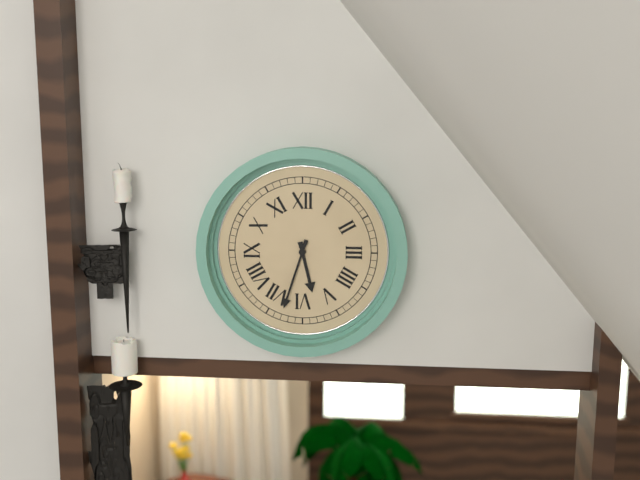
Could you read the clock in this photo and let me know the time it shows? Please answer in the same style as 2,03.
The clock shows 5,33
